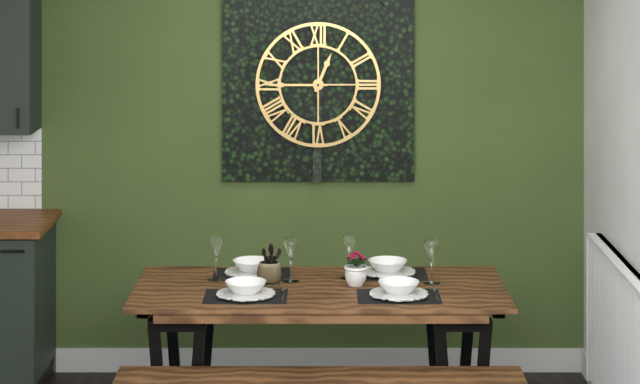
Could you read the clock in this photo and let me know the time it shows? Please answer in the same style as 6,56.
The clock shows 12,45
